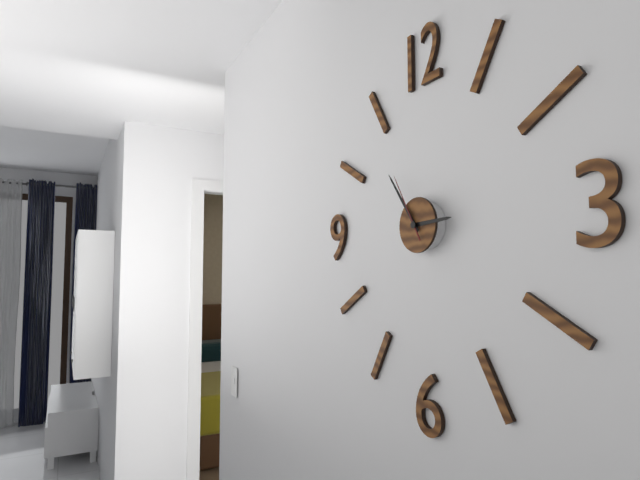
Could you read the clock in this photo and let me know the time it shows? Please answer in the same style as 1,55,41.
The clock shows 2,54,55
